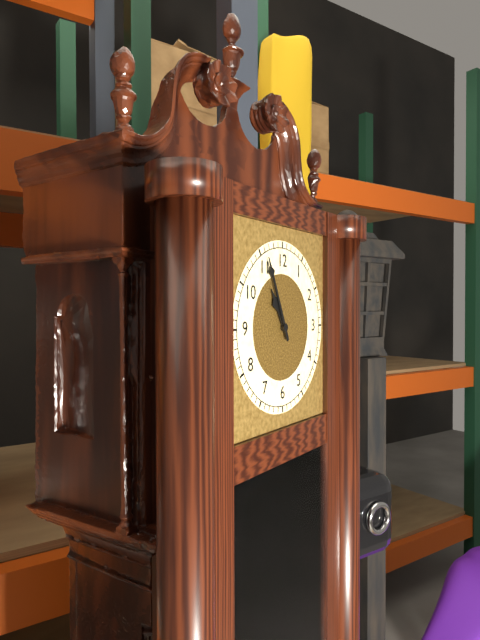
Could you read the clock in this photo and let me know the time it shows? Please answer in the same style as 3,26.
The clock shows 10,56
